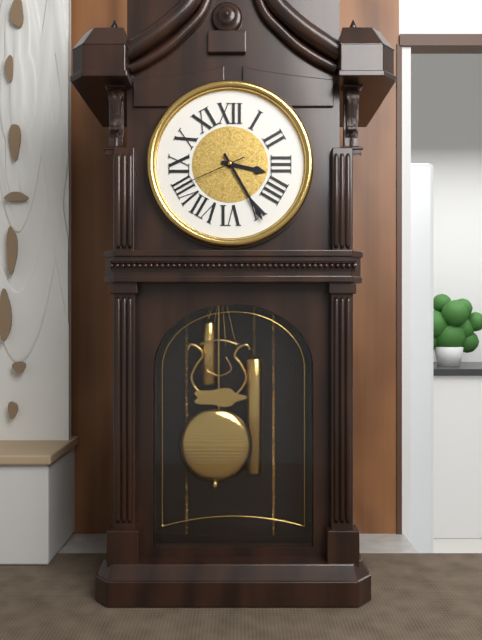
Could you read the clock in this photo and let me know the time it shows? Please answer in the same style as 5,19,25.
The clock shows 3,25,41
